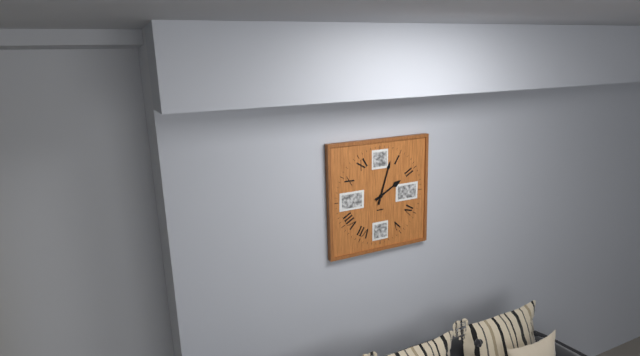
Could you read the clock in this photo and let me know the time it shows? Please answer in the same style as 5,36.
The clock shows 2,03
